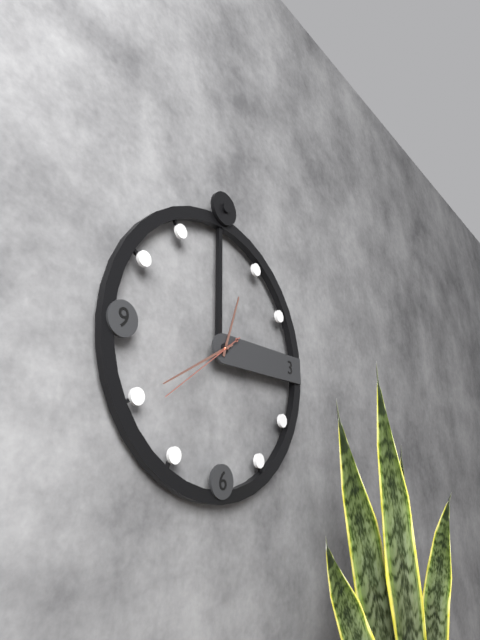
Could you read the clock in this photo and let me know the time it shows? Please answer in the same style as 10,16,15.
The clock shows 12,40,39
